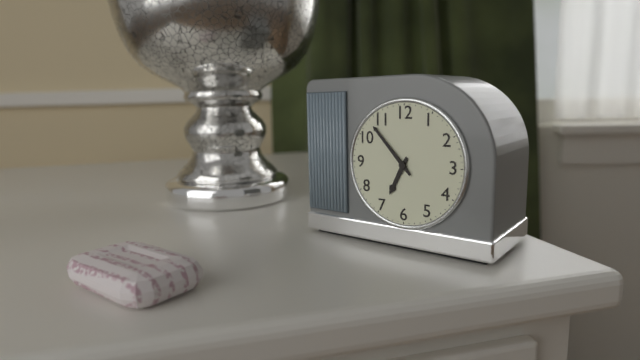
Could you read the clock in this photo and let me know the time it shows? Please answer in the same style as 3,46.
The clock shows 6,53
